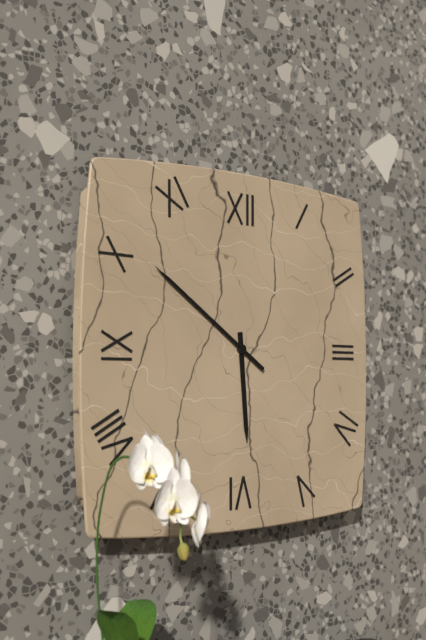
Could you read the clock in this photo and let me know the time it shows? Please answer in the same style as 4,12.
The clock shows 5,51
